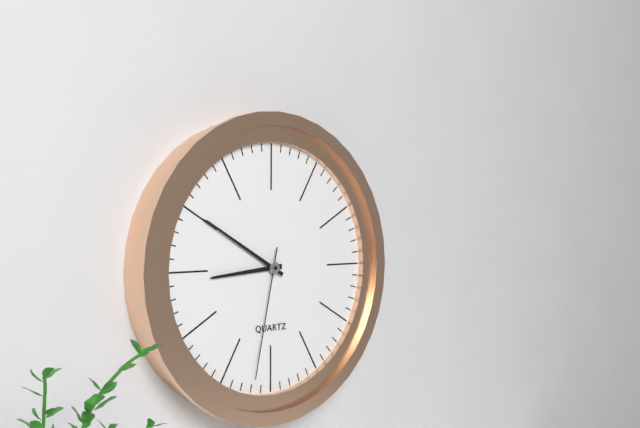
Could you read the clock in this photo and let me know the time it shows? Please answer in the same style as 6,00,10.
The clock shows 8,50,32
